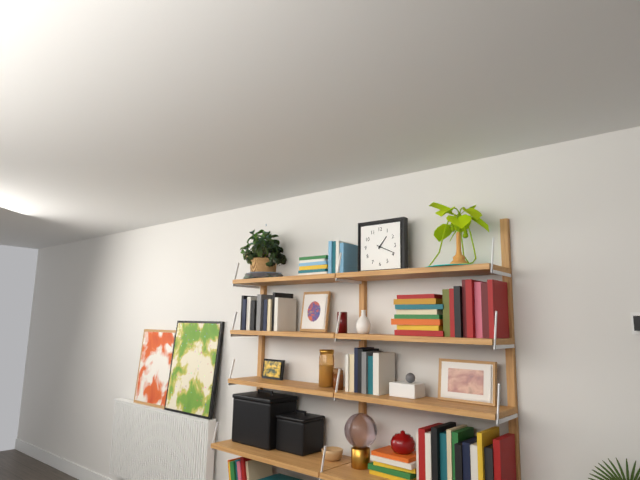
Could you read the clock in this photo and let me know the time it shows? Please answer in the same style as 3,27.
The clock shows 1,19
